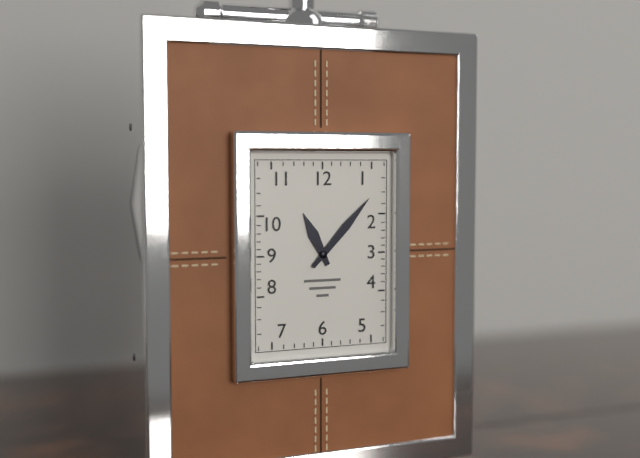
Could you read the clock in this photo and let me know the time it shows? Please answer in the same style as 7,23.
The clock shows 11,07
